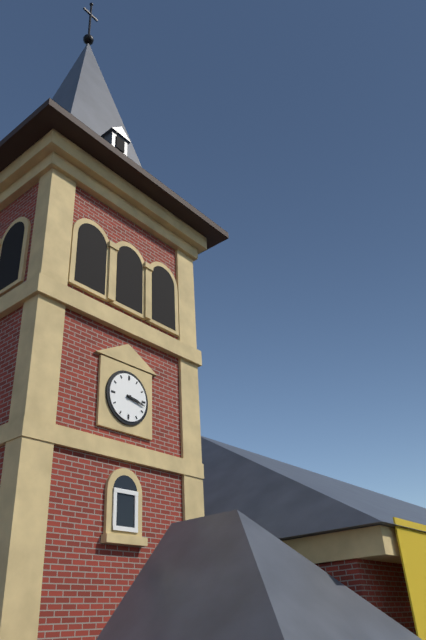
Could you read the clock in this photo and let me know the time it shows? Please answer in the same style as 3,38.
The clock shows 3,17
